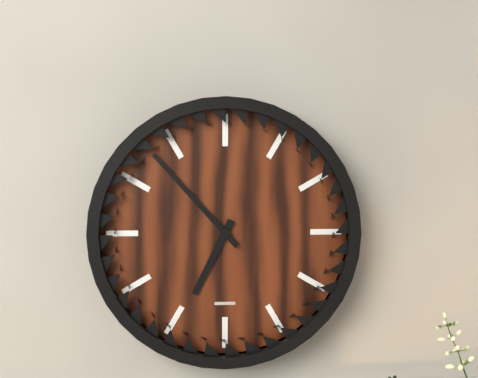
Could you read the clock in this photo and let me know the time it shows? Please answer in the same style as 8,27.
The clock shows 6,53
